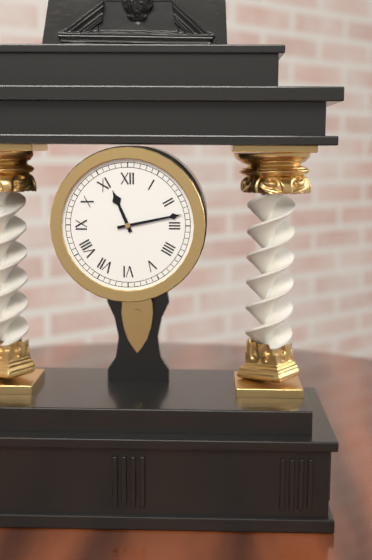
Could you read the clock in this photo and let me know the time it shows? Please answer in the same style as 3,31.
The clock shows 11,13
